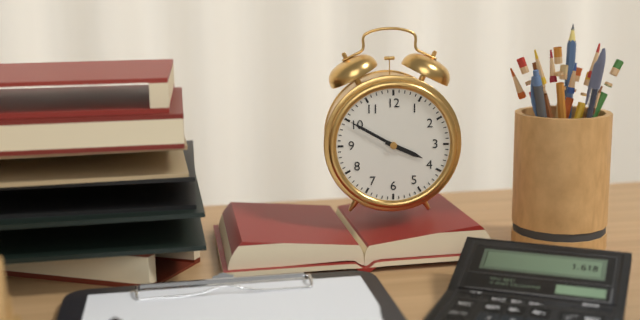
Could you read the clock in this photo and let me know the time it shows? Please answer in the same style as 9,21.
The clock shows 3,50
